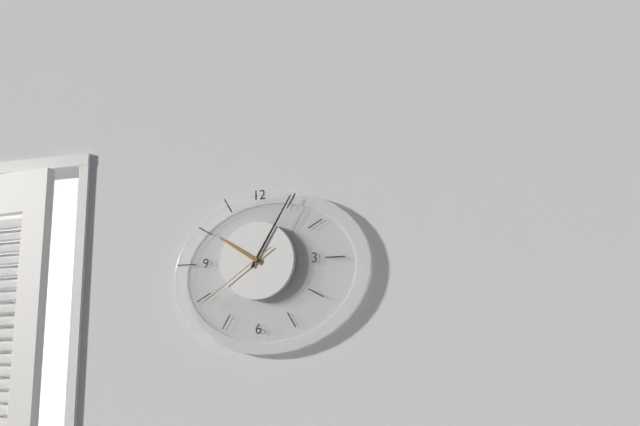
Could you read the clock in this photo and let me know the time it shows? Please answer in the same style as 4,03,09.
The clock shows 10,05,39
